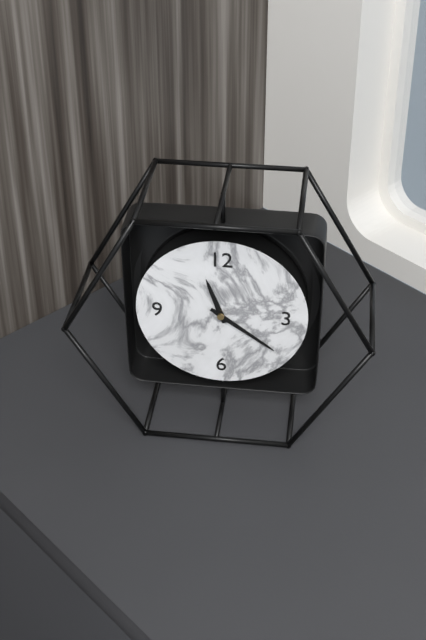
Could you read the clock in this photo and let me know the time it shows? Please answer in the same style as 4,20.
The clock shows 11,21
